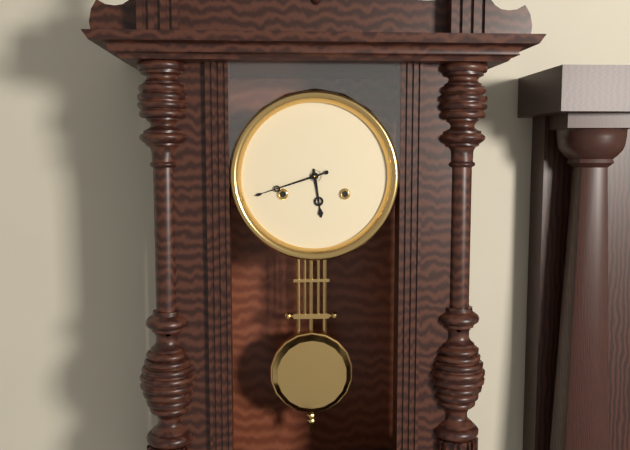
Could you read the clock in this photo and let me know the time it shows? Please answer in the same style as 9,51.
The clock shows 5,42
